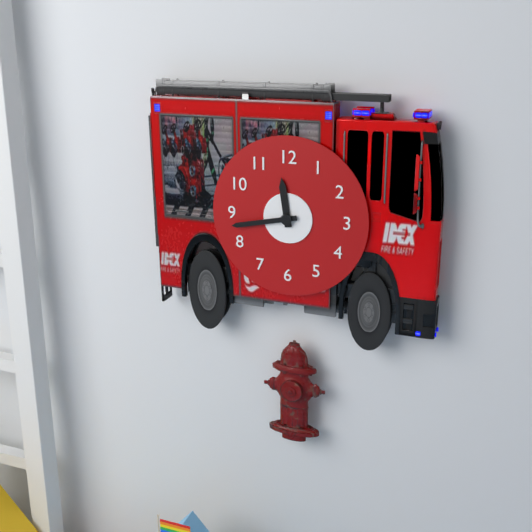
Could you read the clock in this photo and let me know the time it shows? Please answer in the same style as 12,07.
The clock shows 11,43
